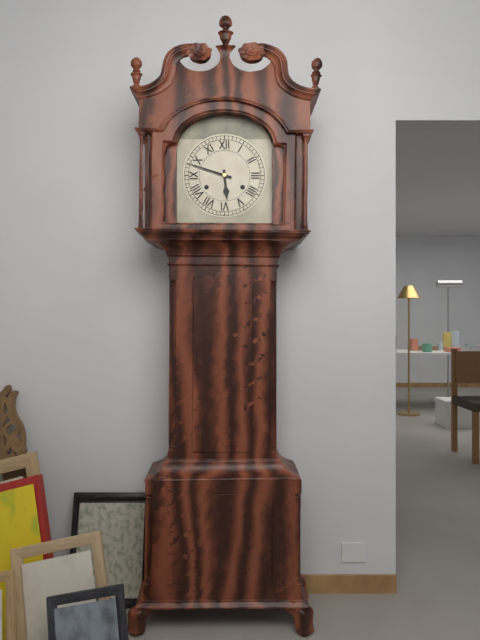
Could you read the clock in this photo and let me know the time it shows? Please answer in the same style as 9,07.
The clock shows 5,48
